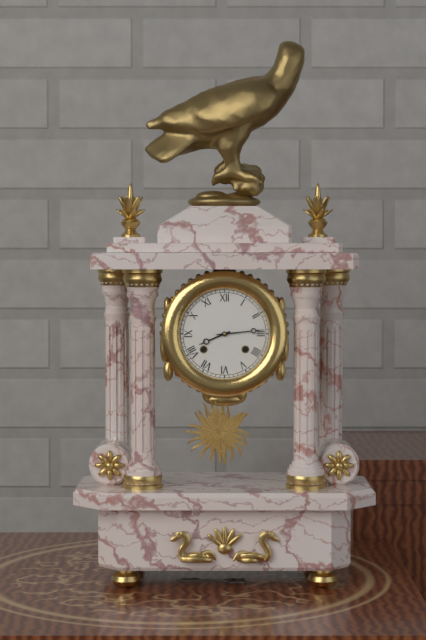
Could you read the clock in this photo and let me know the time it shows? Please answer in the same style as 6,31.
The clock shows 8,14
